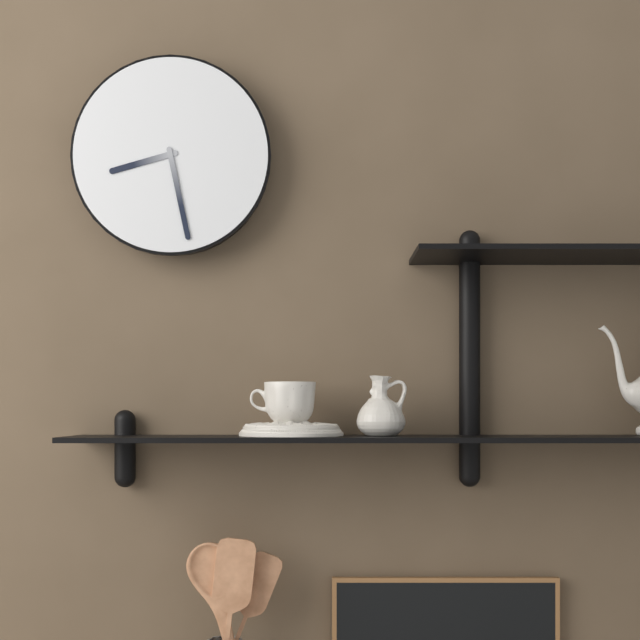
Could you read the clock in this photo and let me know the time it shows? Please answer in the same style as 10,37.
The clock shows 8,28
